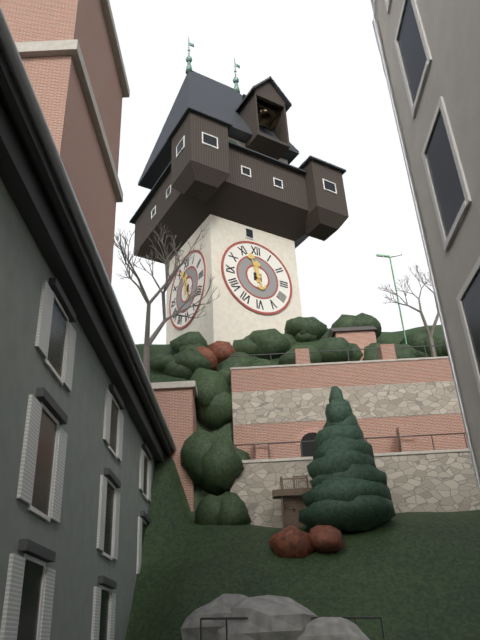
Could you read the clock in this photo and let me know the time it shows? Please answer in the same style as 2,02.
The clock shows 11,57
